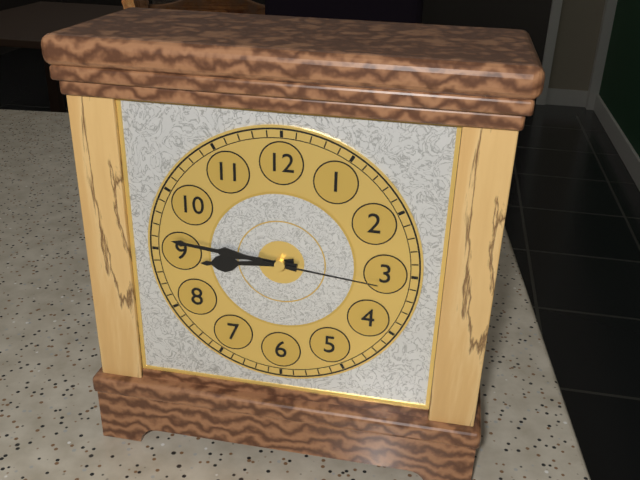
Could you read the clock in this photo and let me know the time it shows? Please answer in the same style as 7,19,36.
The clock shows 8,46,16
